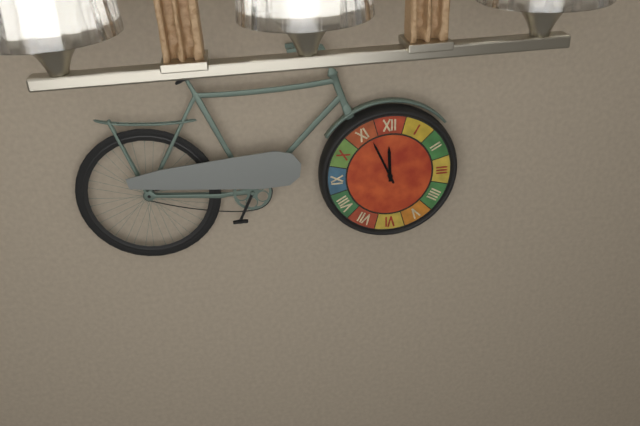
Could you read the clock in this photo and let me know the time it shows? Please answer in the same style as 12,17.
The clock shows 11,56
